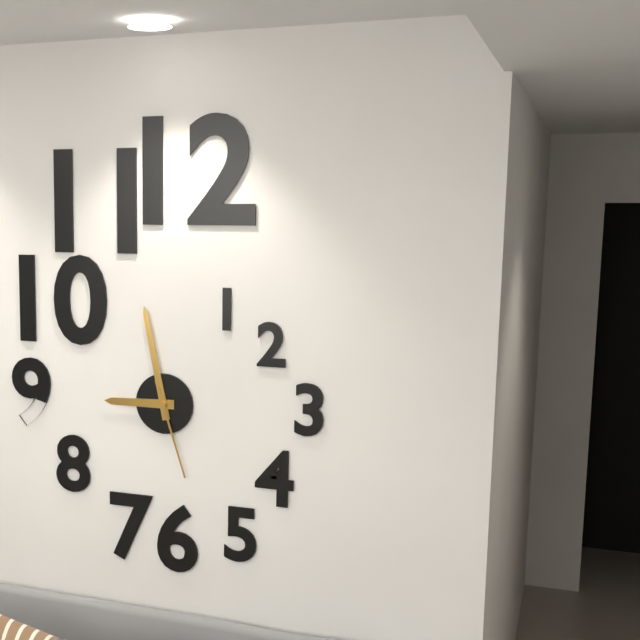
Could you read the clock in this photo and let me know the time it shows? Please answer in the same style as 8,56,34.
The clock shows 8,58,27
